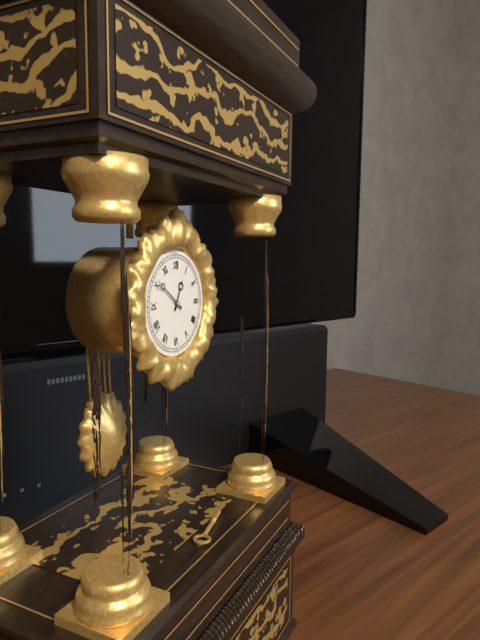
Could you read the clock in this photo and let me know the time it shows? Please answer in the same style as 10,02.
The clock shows 12,51
